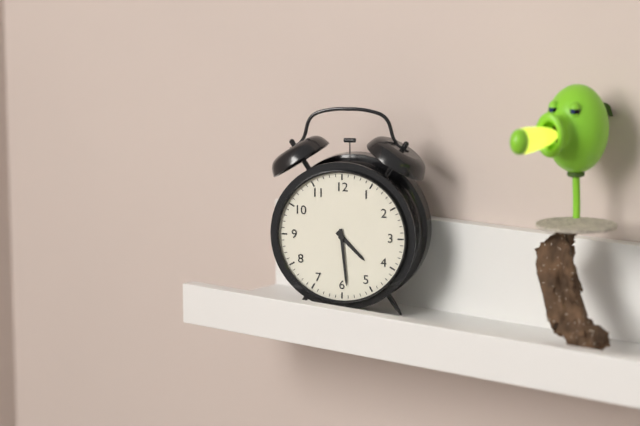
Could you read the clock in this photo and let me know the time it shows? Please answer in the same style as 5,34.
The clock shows 4,29
